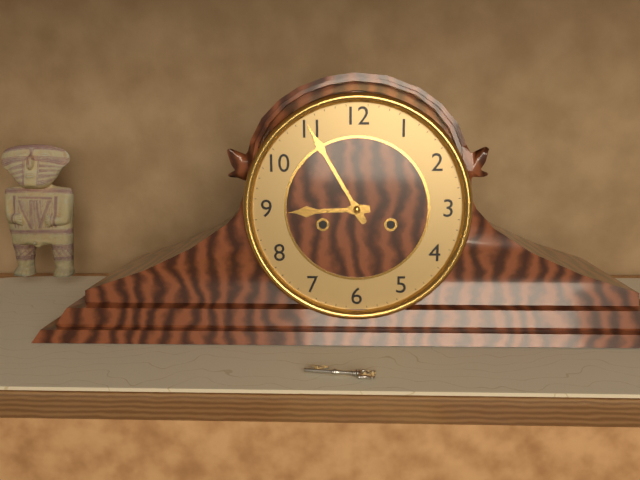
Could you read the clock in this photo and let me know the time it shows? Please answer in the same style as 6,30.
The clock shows 8,55
